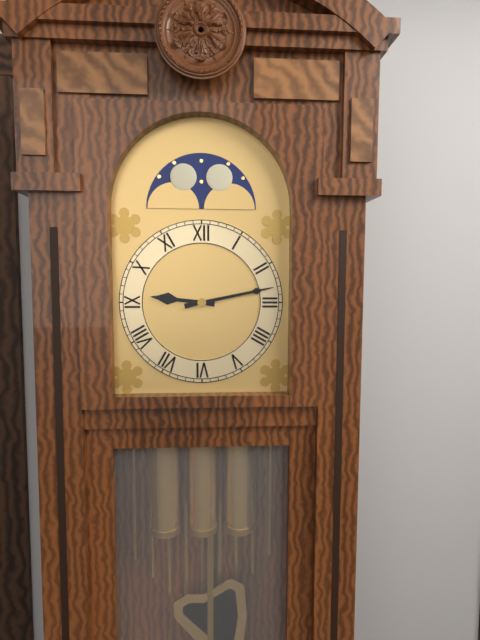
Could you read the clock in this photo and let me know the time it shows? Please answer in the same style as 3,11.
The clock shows 9,13
